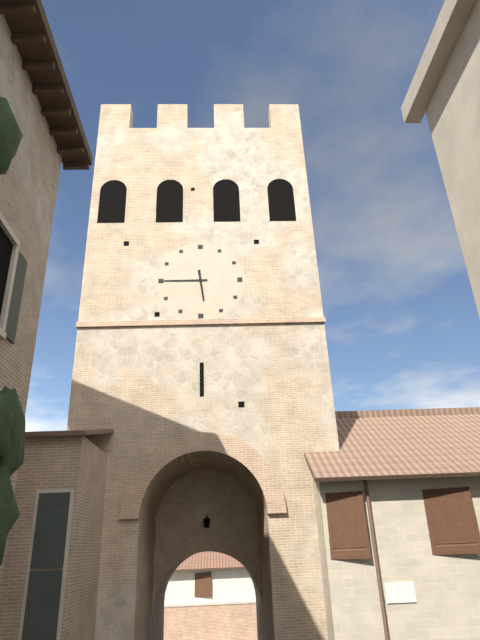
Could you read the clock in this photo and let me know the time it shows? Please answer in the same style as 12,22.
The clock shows 5,45
